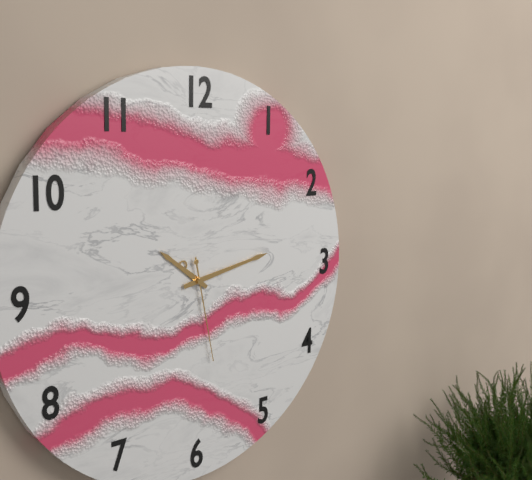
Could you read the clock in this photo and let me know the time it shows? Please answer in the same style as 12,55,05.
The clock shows 10,13,28
